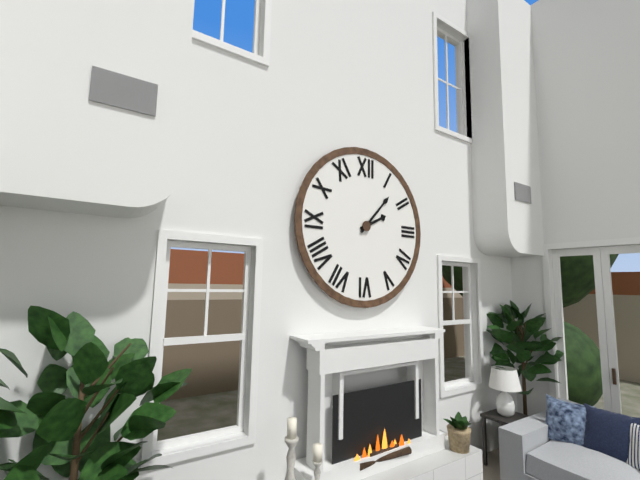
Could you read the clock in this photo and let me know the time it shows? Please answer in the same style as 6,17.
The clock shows 2,07
